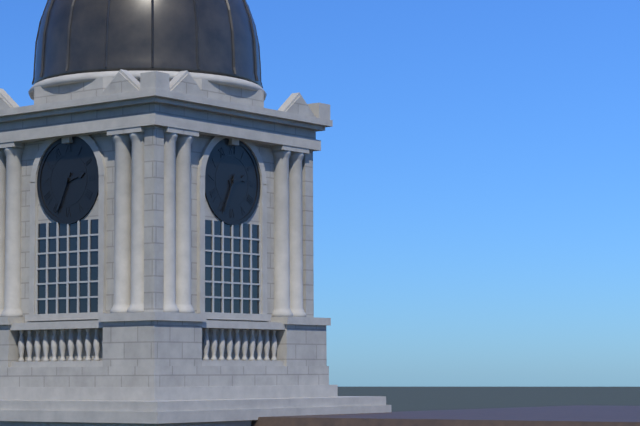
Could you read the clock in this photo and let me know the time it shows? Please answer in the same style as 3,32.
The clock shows 2,34
